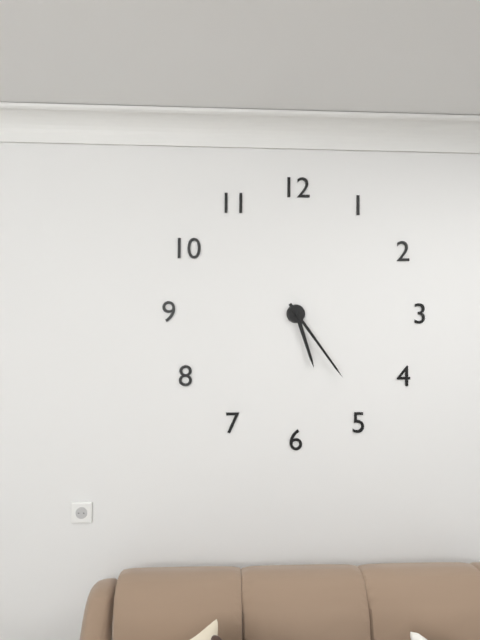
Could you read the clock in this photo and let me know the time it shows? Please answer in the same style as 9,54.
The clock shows 5,24
